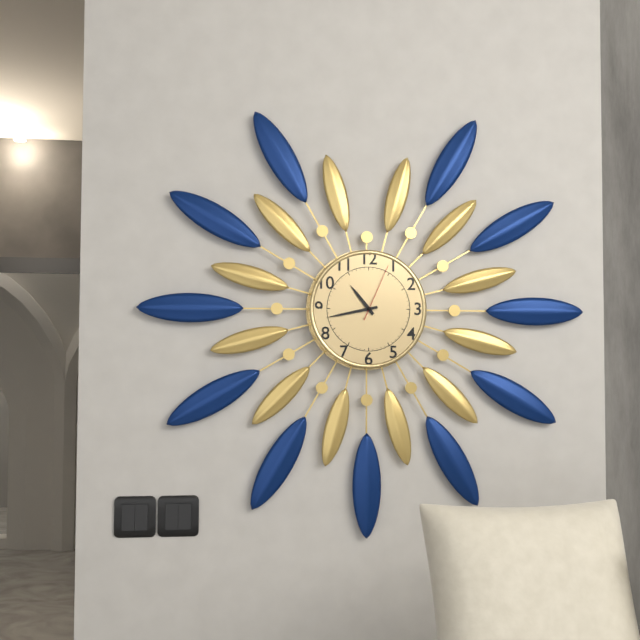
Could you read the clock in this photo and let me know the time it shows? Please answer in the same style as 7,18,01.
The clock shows 10,43,04
